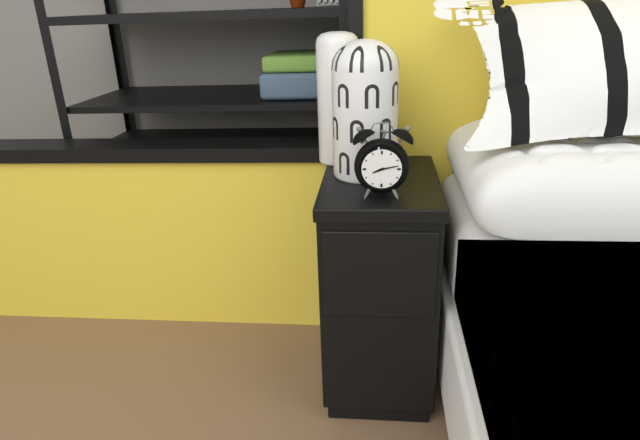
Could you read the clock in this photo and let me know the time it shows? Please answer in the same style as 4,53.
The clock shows 8,13
